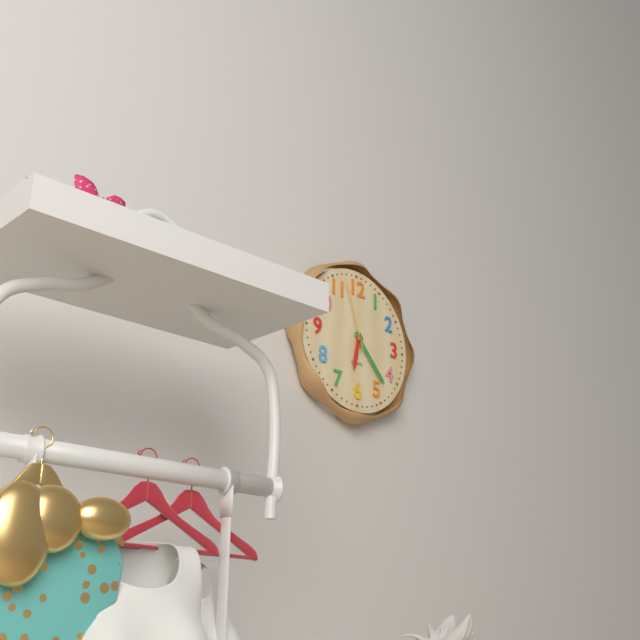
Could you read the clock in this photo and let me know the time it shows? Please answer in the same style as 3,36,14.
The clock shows 6,23,57
